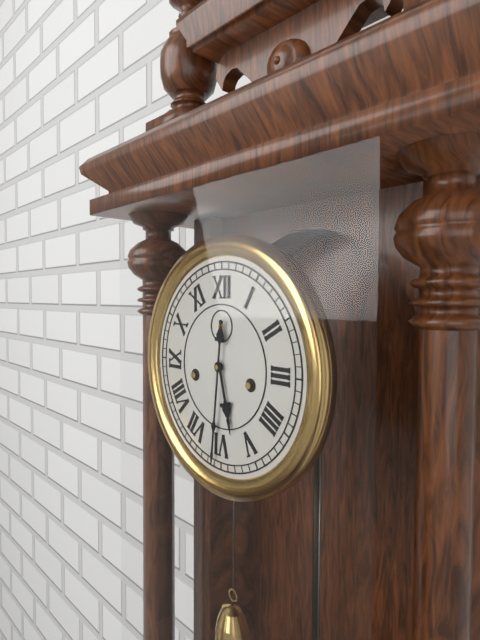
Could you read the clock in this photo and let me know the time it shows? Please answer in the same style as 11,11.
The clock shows 5,31
